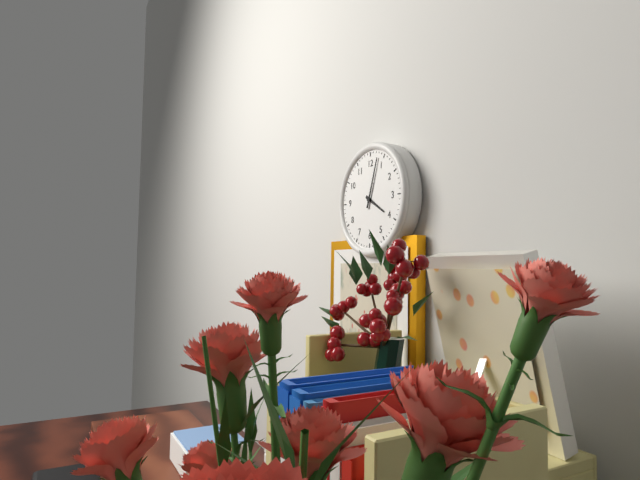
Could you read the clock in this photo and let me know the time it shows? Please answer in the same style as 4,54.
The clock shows 4,03
